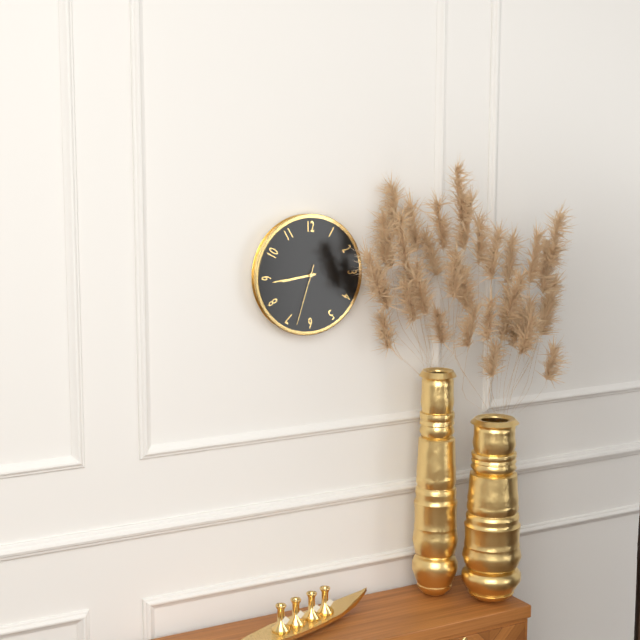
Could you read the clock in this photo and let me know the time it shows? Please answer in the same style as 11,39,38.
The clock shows 8,44,33
